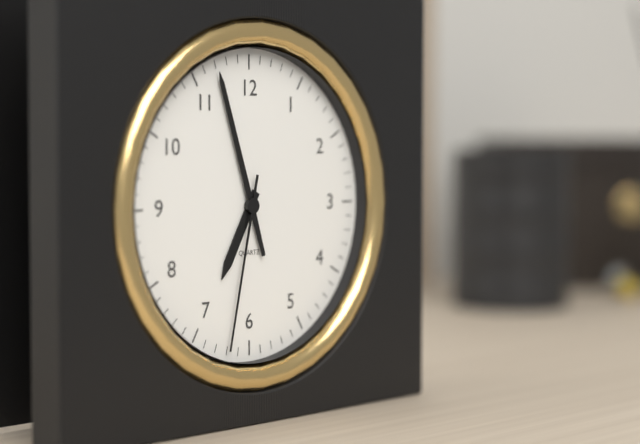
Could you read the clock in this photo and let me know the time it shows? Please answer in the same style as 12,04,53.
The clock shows 6,57,32
